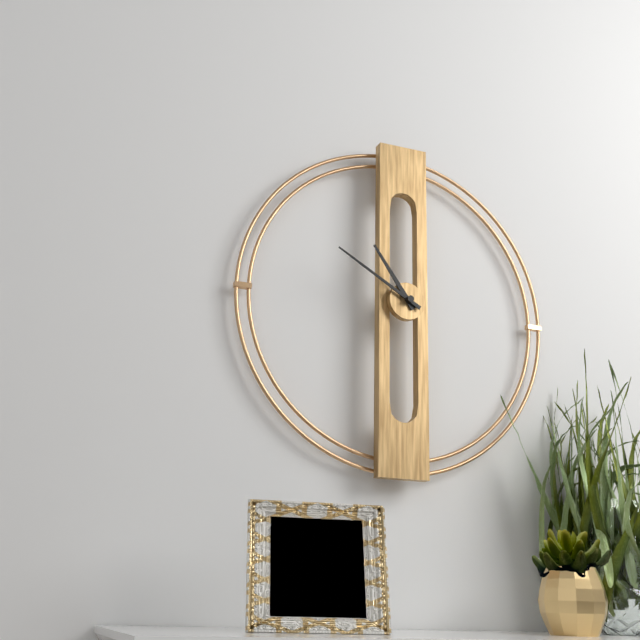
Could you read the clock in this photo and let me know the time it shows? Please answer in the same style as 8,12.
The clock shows 10,50
